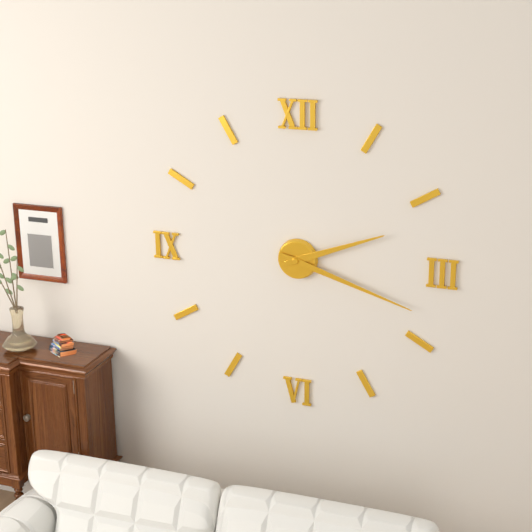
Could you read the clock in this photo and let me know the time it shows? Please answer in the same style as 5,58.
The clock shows 2,18
